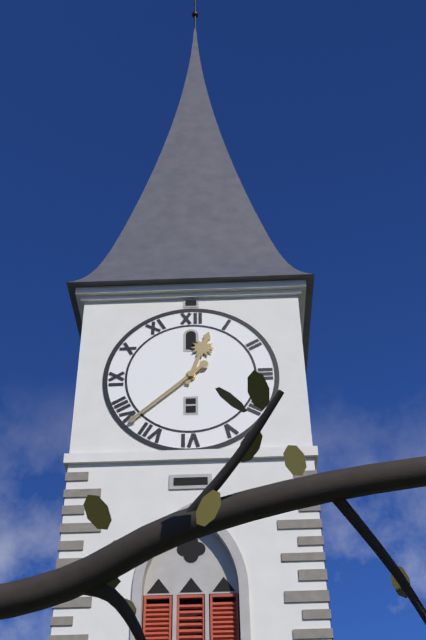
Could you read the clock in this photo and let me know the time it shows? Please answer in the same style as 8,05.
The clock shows 12,38
